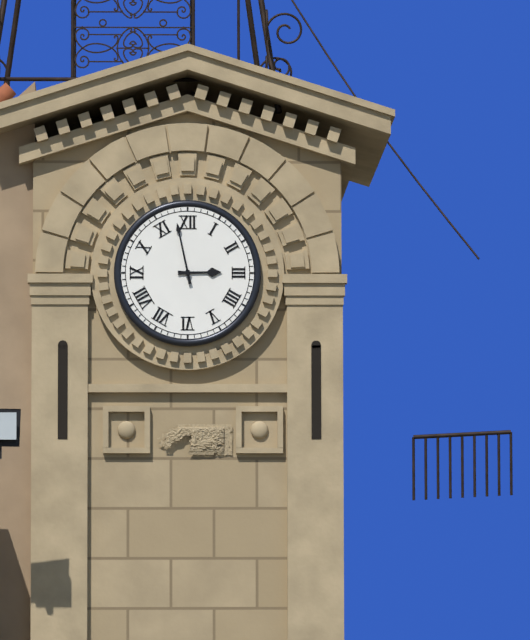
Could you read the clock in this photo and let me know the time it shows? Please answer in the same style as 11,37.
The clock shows 2,58
